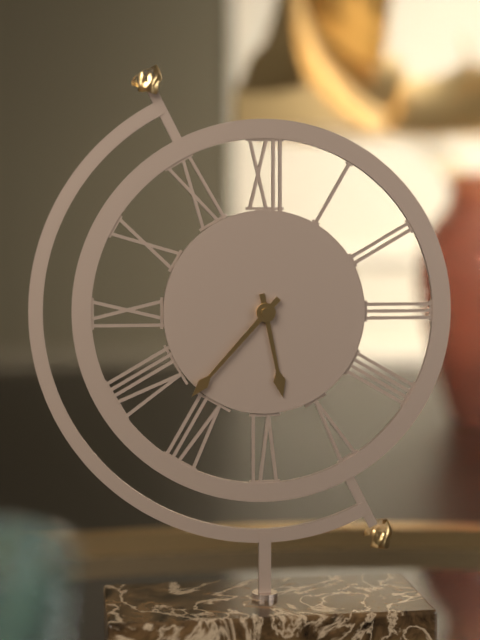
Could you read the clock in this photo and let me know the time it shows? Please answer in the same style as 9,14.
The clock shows 5,37
